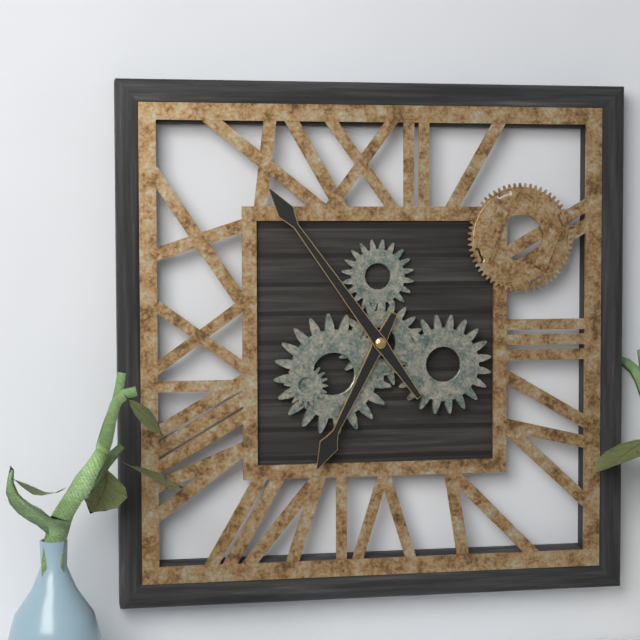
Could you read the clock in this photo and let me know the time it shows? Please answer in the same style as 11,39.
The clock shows 6,54
